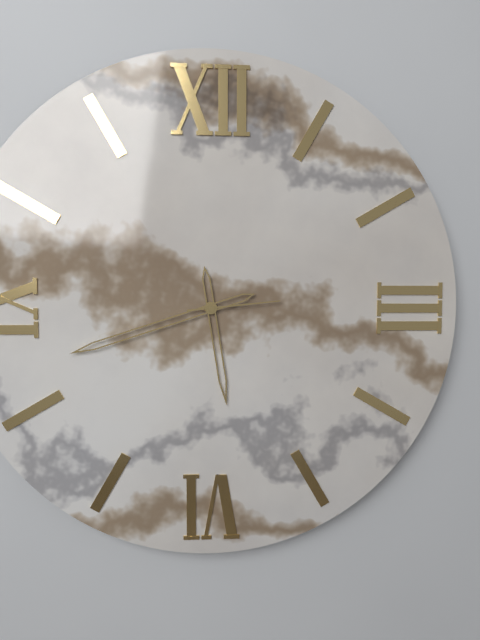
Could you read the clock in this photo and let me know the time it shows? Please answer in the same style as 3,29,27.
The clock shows 5,42,14
